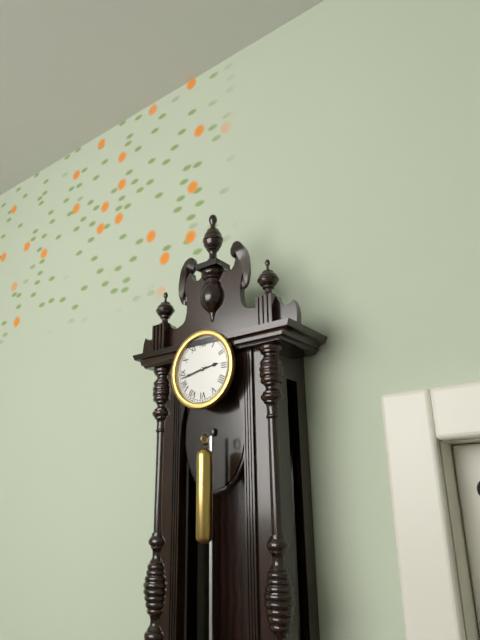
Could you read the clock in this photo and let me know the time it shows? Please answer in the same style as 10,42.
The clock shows 2,43
